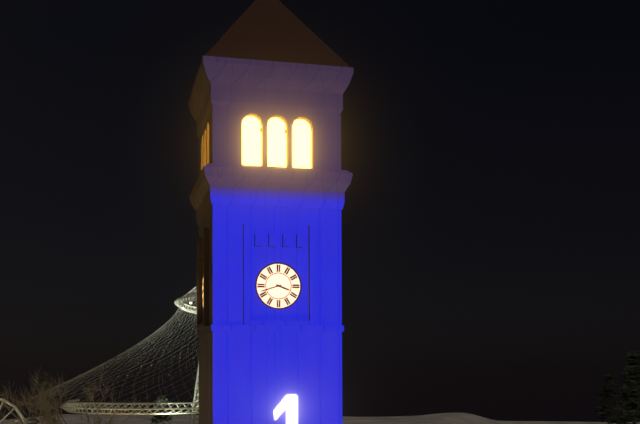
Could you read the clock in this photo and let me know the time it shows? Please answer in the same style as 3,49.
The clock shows 3,42
